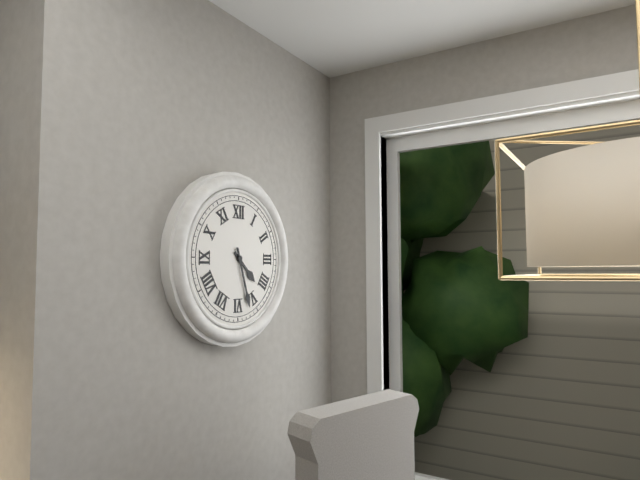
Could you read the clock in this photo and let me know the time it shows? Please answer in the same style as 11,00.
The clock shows 4,27
